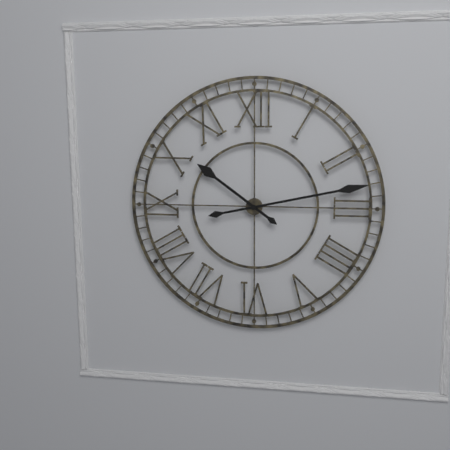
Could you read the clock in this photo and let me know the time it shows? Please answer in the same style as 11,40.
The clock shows 10,13
